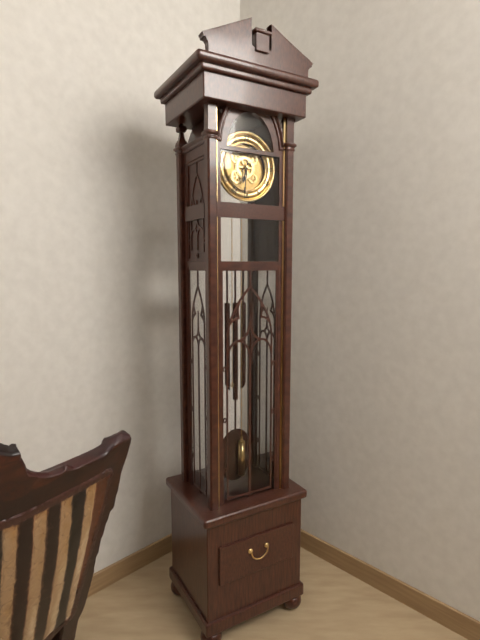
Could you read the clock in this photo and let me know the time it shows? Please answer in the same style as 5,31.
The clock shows 6,31
